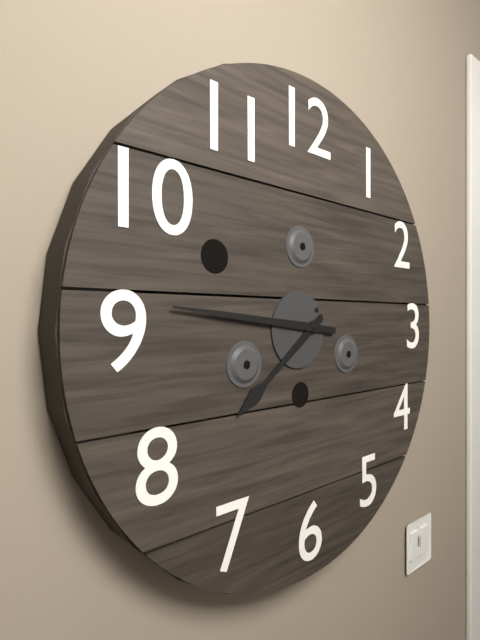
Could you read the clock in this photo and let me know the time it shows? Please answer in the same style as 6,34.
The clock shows 7,46
